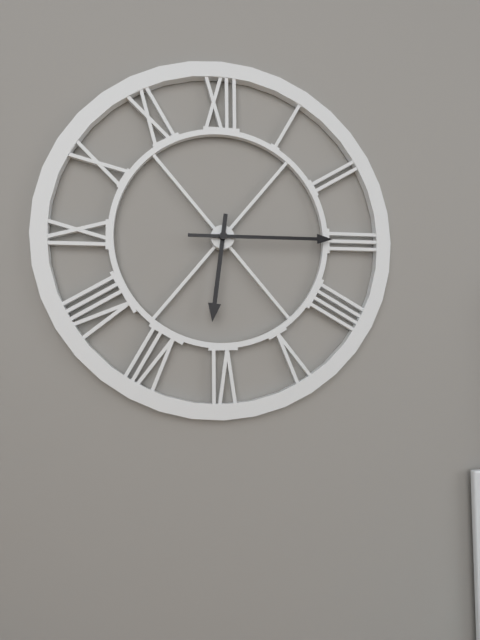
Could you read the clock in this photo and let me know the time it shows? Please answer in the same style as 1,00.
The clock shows 6,15
